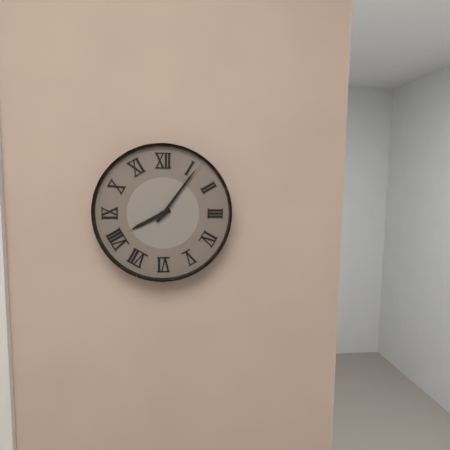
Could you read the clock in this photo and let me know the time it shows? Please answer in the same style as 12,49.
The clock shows 8,06
